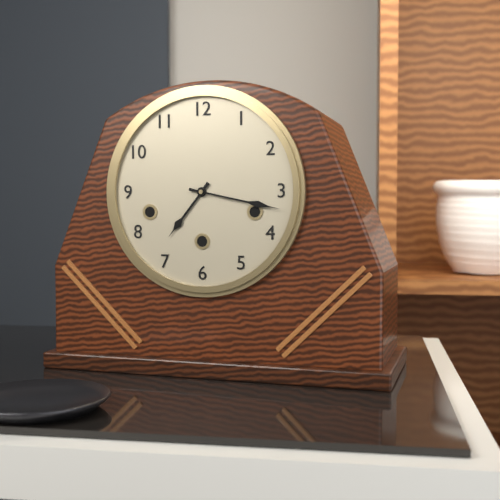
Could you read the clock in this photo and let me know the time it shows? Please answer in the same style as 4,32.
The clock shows 7,17
